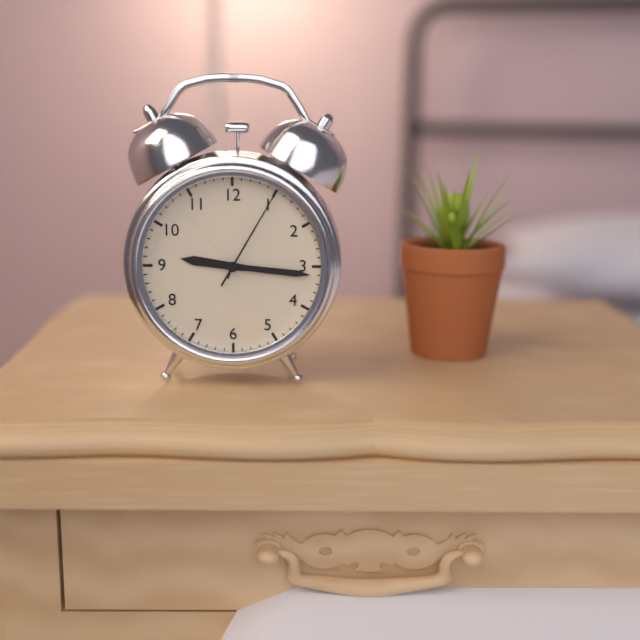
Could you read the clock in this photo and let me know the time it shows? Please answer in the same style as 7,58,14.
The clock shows 9,16,05
